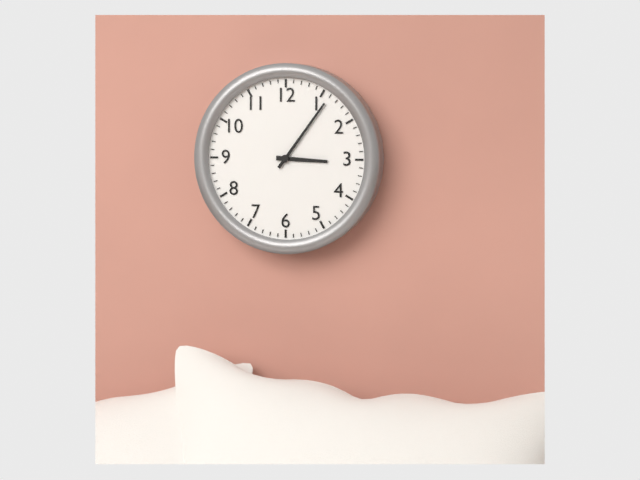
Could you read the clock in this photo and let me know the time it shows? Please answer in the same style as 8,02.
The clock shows 3,06
